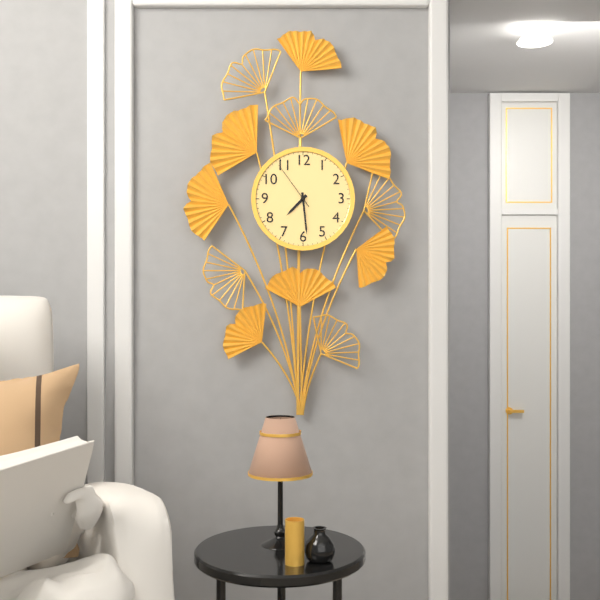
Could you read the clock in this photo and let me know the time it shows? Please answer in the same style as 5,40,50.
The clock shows 7,29,54
